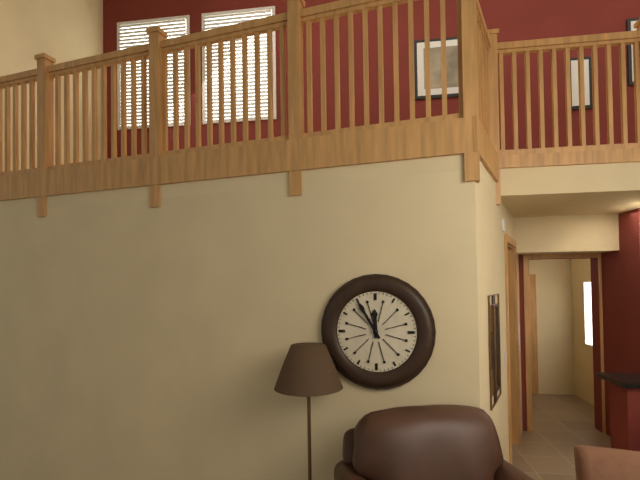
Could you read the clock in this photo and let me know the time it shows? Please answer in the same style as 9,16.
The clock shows 11,55
